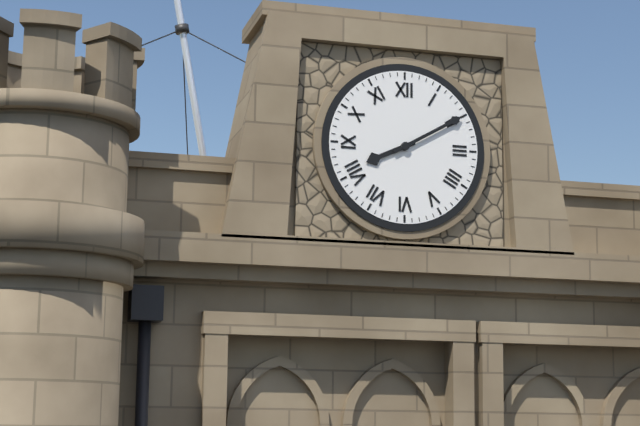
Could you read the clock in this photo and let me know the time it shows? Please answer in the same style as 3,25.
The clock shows 8,10
